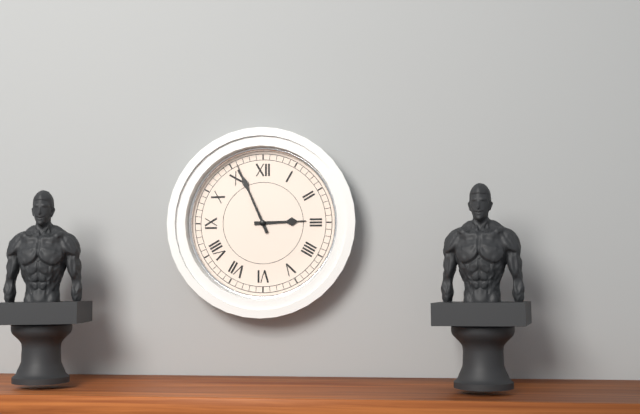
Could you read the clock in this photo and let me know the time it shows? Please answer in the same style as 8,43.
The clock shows 2,56
